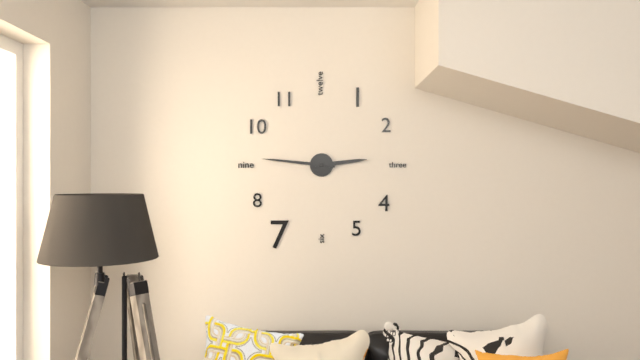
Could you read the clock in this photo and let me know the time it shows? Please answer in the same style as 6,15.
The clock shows 2,46
